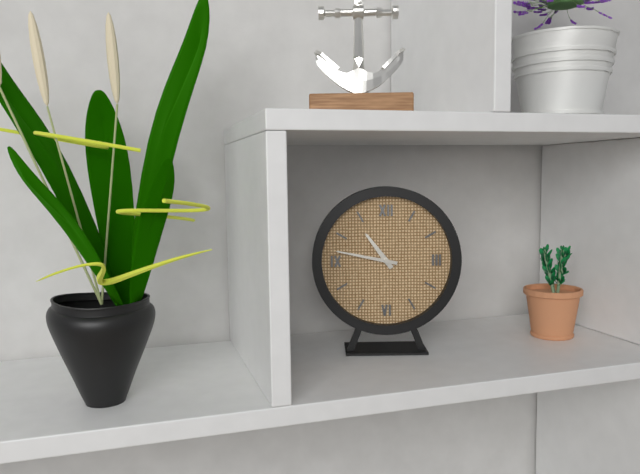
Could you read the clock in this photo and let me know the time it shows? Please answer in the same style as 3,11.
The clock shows 10,47
